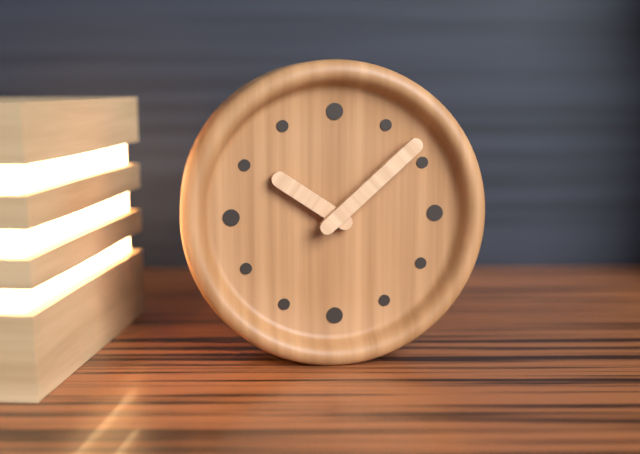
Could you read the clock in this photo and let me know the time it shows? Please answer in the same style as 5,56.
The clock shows 10,08
